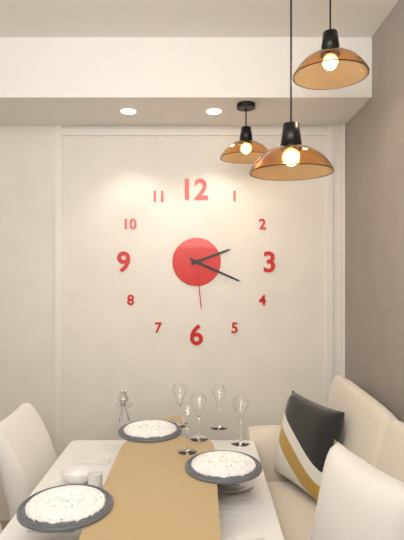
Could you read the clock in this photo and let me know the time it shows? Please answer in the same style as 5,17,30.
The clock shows 2,19,29
